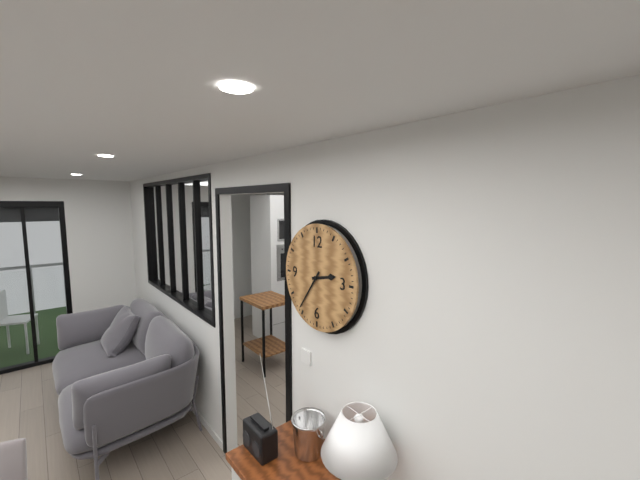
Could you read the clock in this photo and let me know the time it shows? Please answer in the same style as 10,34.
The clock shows 2,36
